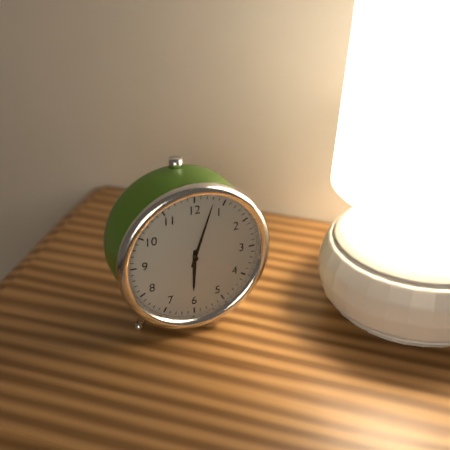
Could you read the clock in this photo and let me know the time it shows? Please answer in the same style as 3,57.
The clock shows 6,03
